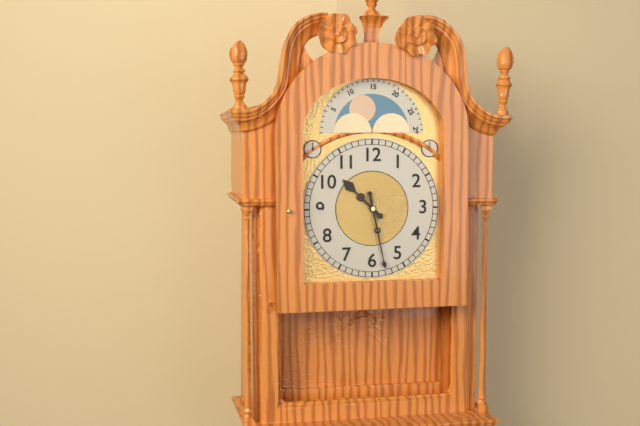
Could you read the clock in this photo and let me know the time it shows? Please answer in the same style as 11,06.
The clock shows 10,28
